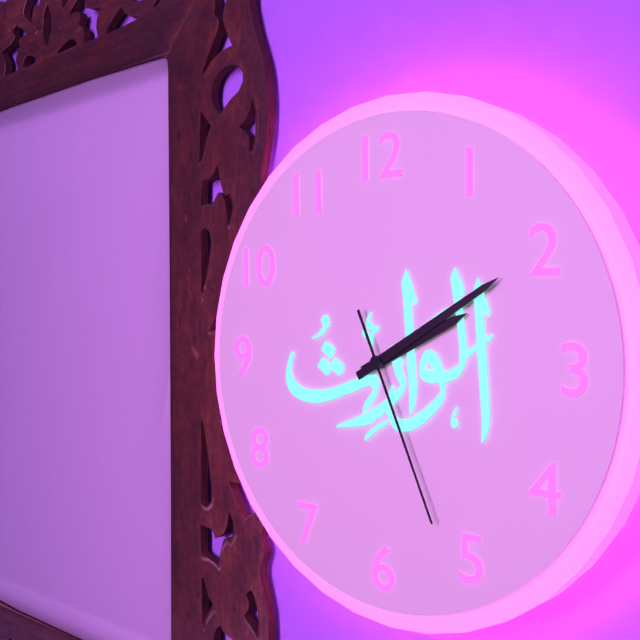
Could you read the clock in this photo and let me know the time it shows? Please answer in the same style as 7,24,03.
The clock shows 2,10,26
